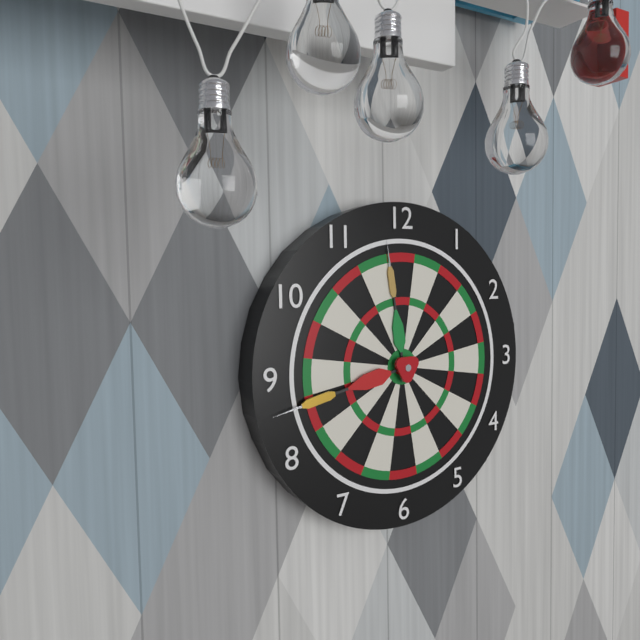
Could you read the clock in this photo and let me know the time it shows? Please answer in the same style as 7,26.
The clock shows 11,43
